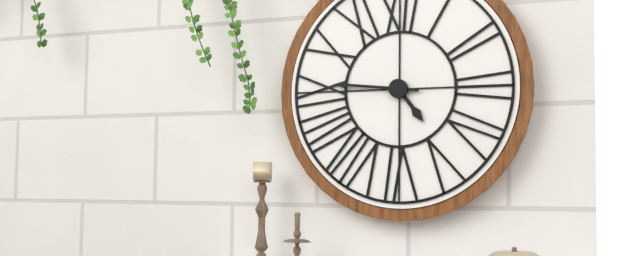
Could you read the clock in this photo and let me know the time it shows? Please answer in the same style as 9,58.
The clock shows 4,46
